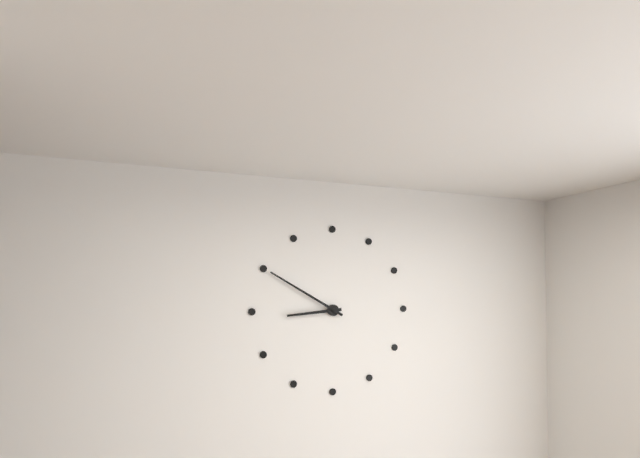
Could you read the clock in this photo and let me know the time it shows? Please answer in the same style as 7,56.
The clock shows 8,50
